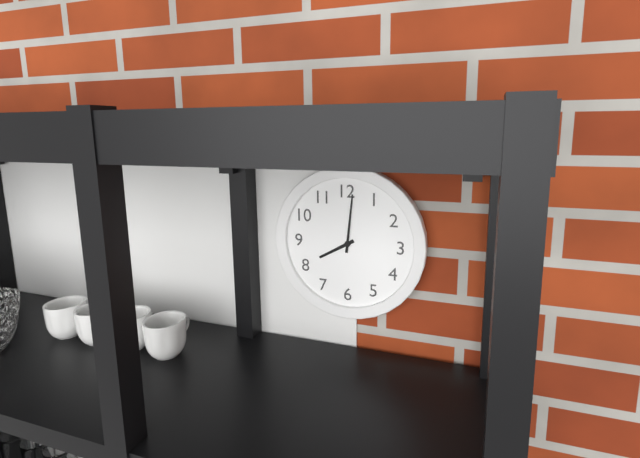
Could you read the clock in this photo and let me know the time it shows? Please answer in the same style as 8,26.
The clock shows 8,01
